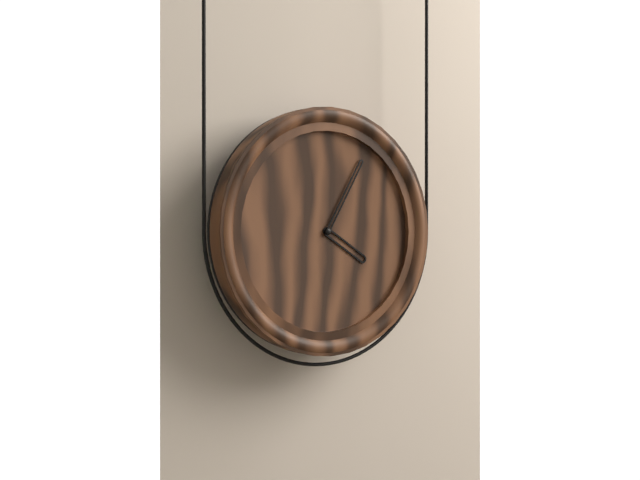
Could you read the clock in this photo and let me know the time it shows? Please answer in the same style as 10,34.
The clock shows 4,05
